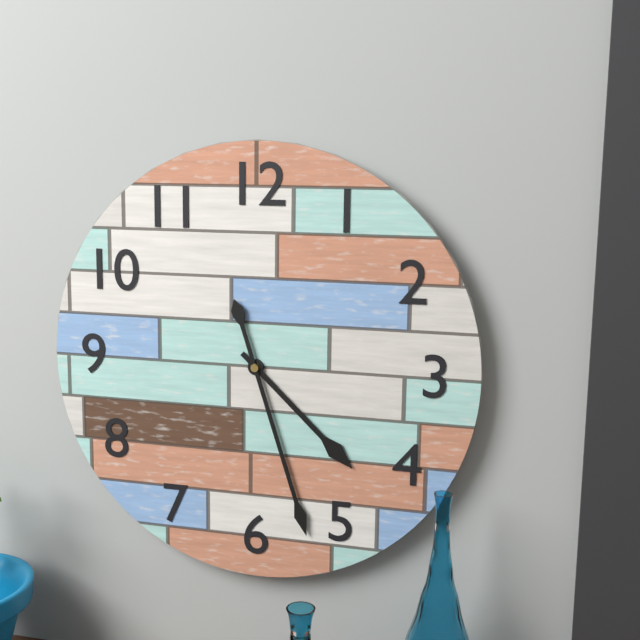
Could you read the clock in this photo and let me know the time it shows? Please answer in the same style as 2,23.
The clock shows 4,27
